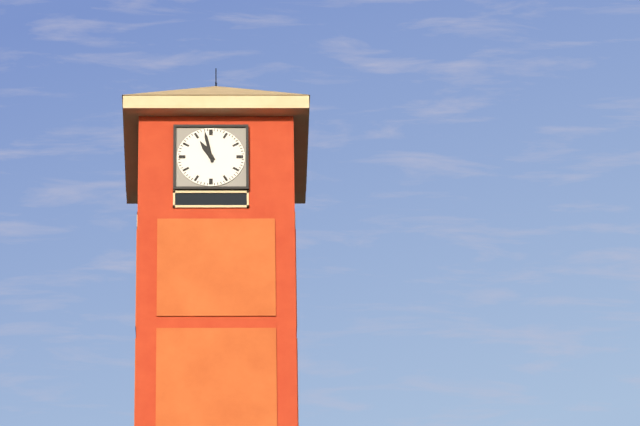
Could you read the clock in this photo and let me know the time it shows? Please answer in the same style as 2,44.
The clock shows 10,58
